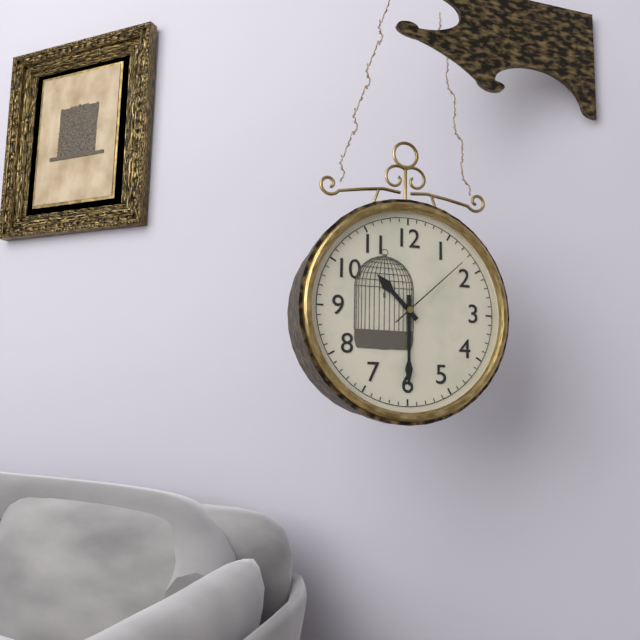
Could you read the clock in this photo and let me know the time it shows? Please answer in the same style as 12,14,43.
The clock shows 10,30,08
